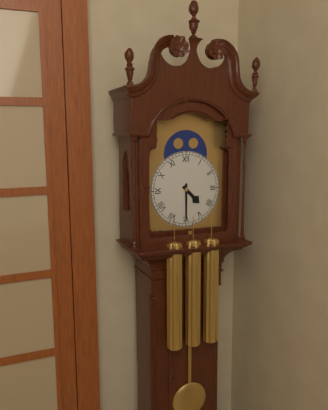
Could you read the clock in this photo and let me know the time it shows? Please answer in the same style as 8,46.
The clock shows 4,30
